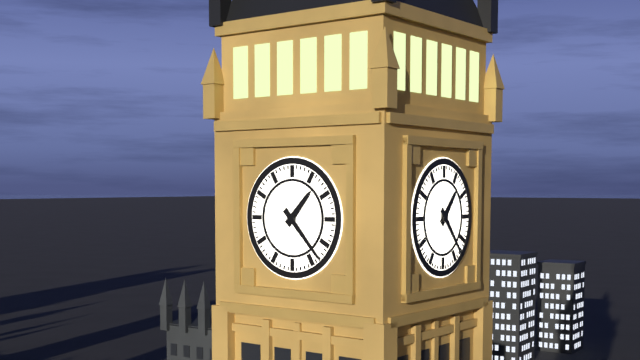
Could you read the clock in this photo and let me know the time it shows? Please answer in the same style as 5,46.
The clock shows 1,23
